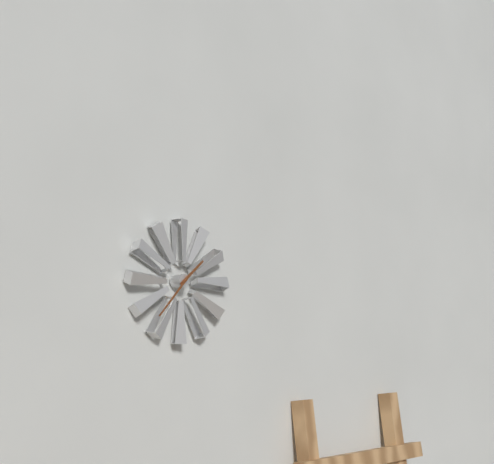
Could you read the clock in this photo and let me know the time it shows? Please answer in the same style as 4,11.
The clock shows 1,37
